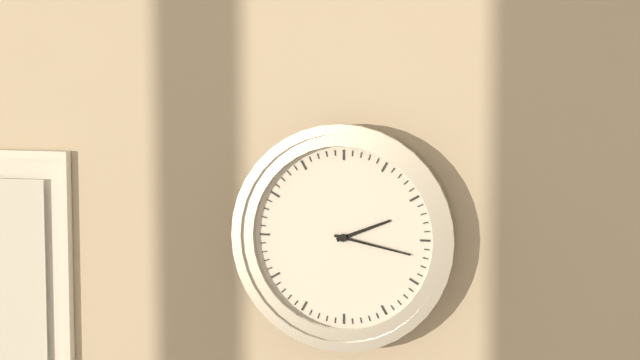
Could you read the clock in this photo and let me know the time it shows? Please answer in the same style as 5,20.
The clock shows 2,17
